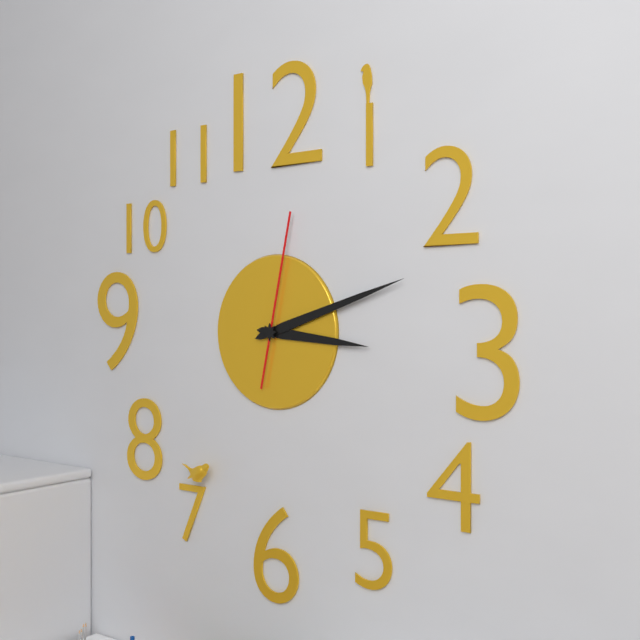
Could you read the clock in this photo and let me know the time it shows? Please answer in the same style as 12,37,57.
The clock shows 3,12,02
